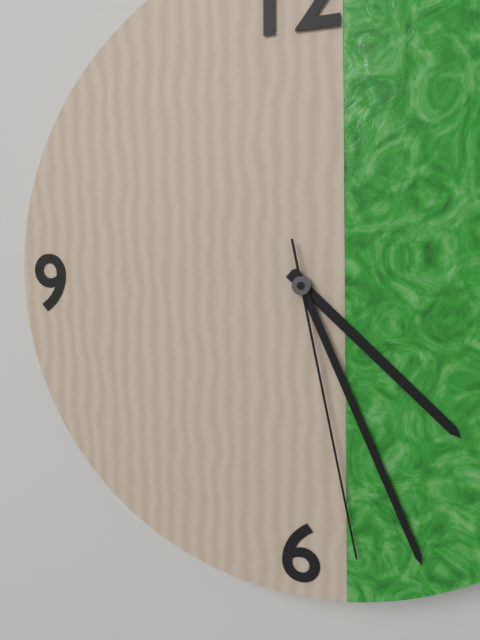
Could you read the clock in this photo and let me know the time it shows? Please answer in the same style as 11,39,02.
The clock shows 4,26,28
